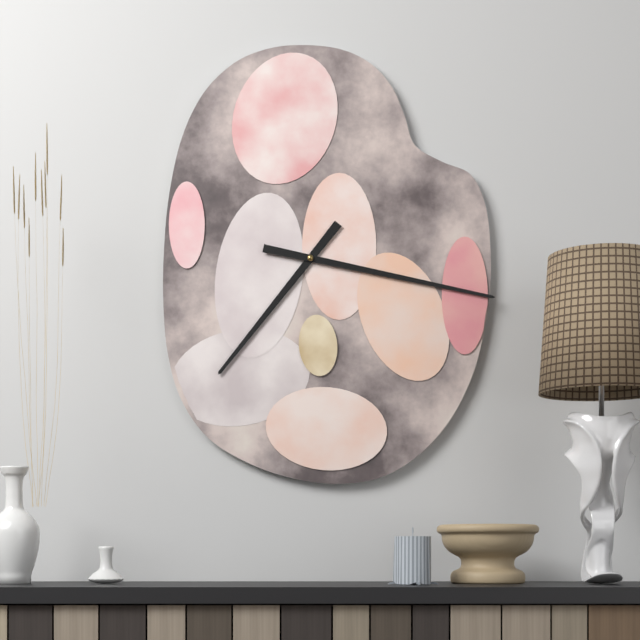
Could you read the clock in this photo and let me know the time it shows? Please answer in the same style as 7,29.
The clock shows 7,17
